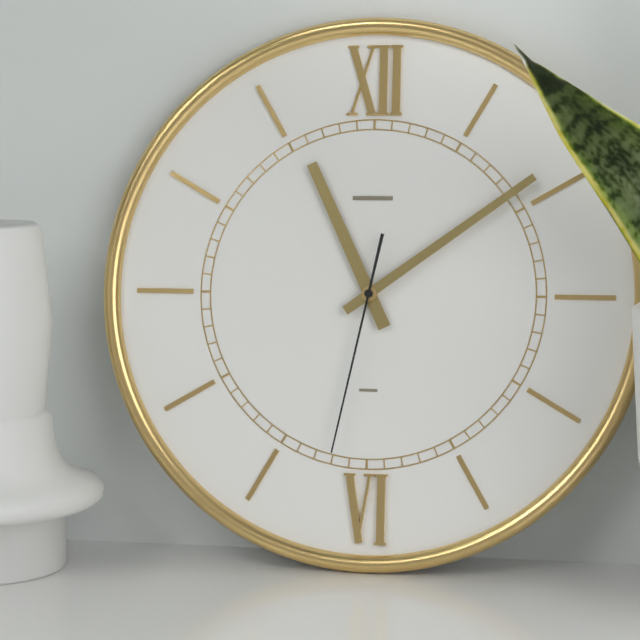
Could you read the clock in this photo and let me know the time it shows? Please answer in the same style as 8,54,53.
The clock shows 11,09,32
